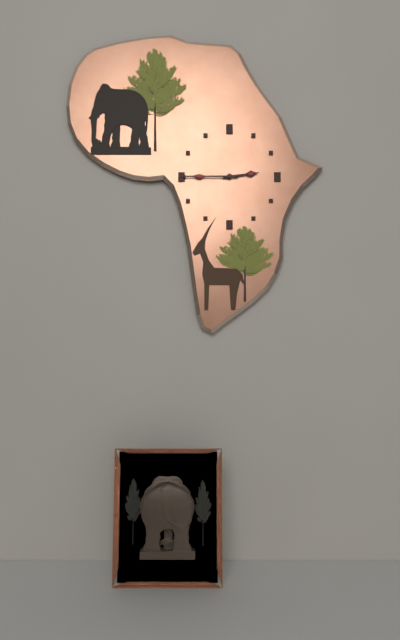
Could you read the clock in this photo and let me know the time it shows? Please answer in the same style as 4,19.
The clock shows 2,45
